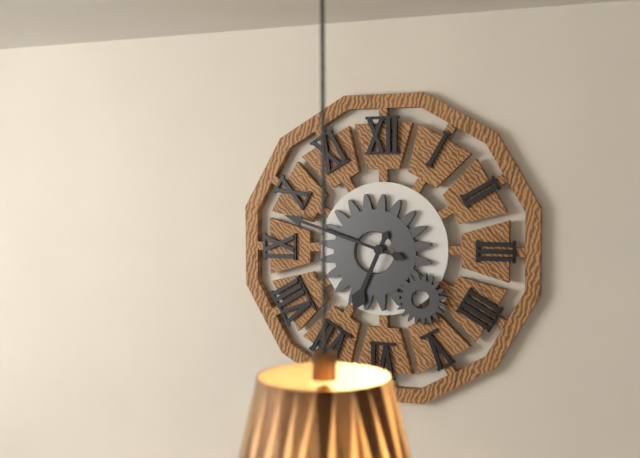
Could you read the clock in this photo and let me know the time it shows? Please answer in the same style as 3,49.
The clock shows 6,48
